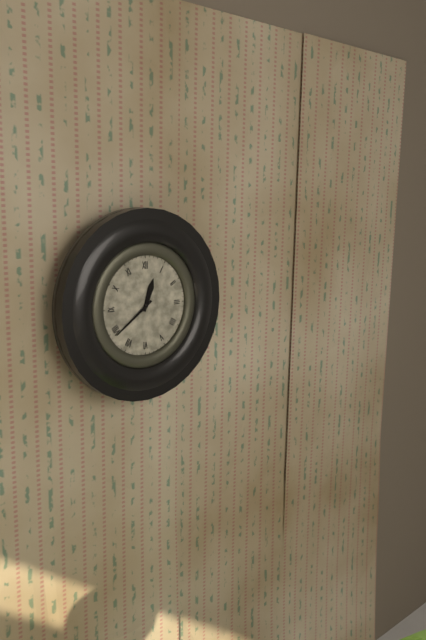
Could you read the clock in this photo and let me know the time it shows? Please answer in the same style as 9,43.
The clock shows 12,39
